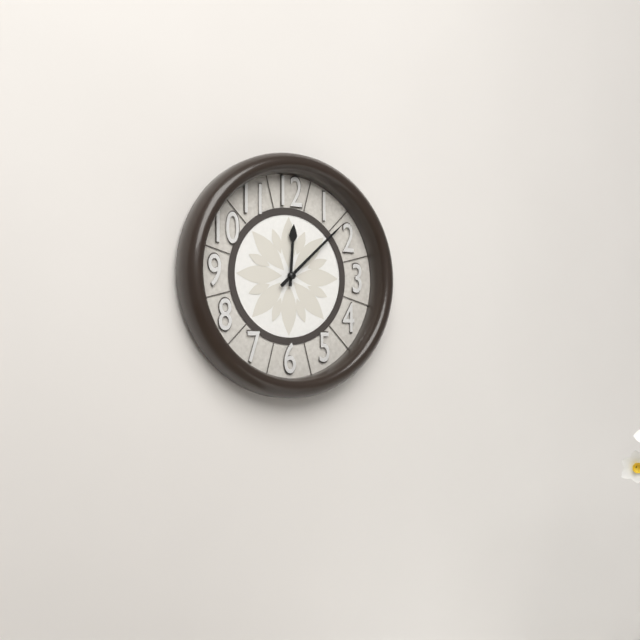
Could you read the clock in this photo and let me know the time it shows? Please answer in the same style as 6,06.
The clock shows 12,08
